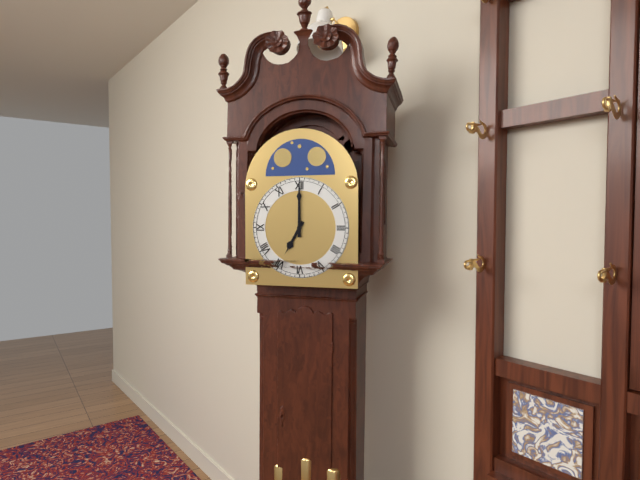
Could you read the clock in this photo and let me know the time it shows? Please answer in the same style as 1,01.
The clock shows 7,00
